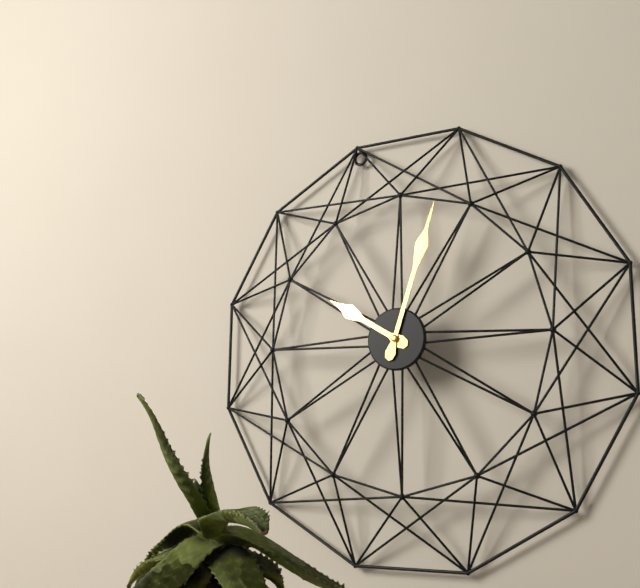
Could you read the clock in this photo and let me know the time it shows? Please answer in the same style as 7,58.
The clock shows 10,03
